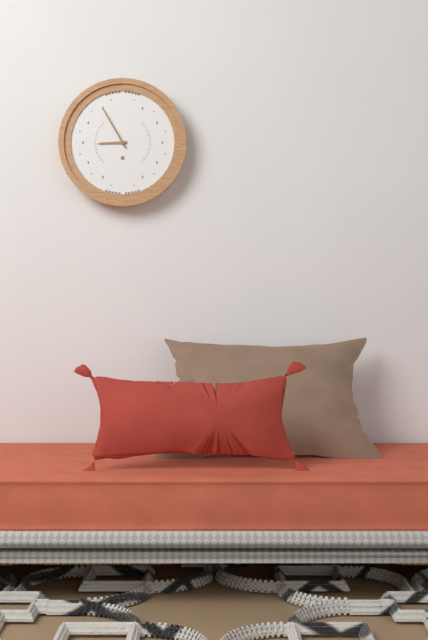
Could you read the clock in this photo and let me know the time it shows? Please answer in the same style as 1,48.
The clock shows 8,55
